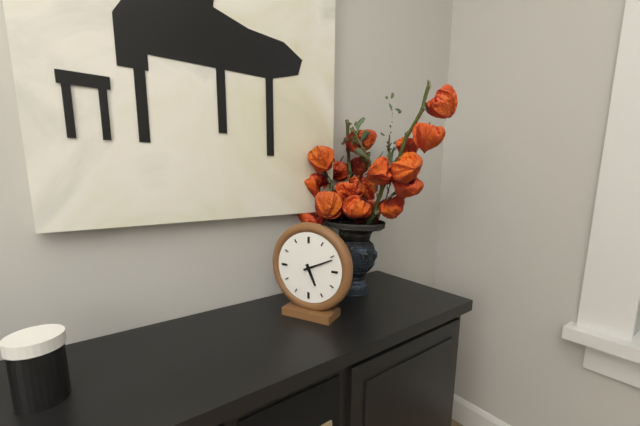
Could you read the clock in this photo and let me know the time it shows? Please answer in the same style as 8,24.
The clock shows 5,11
